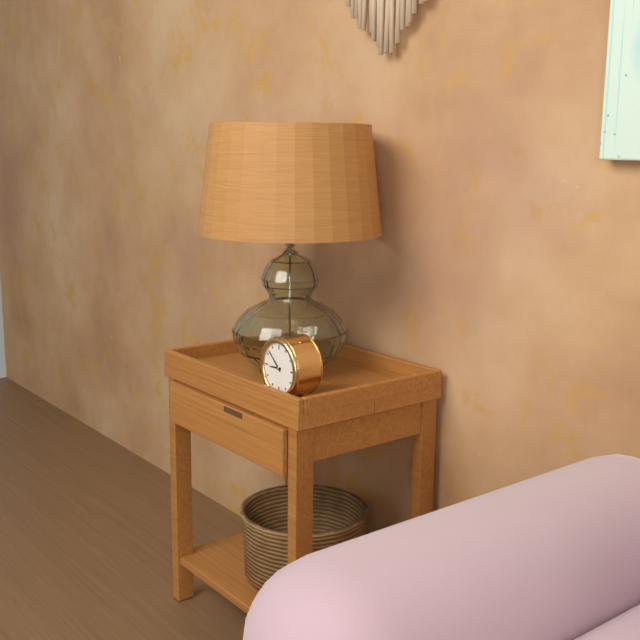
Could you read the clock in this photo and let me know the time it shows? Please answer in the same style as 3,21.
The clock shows 8,52
